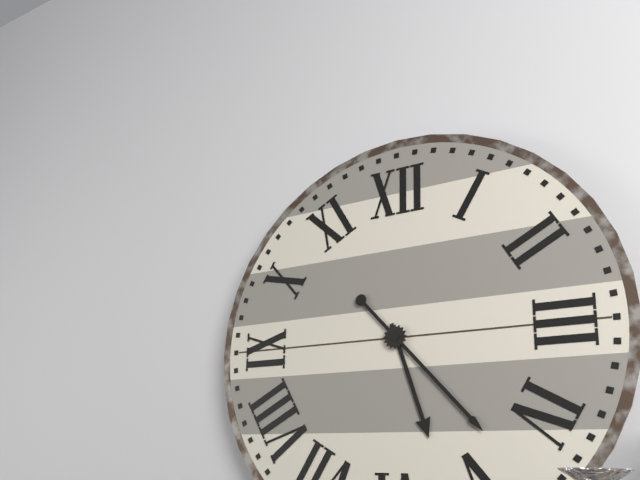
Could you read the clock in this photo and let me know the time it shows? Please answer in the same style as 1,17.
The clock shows 5,23
